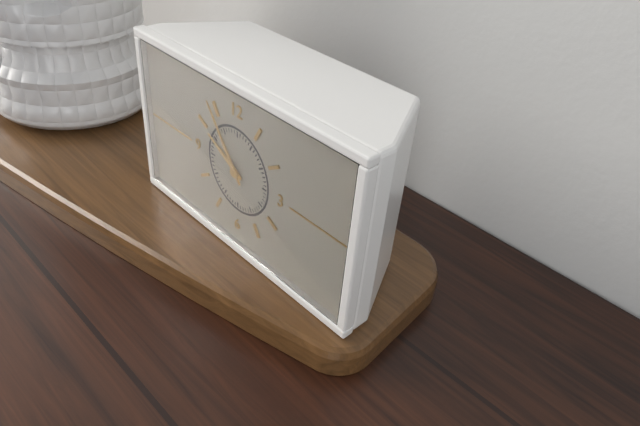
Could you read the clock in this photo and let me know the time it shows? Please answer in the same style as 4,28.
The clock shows 9,54
